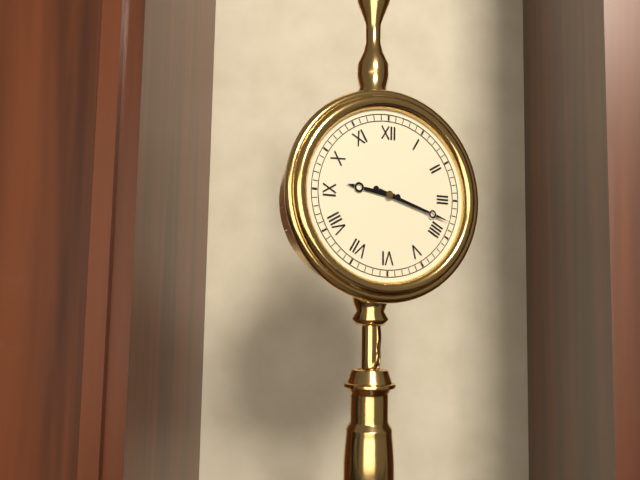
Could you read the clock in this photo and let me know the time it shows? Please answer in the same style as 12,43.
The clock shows 9,18
